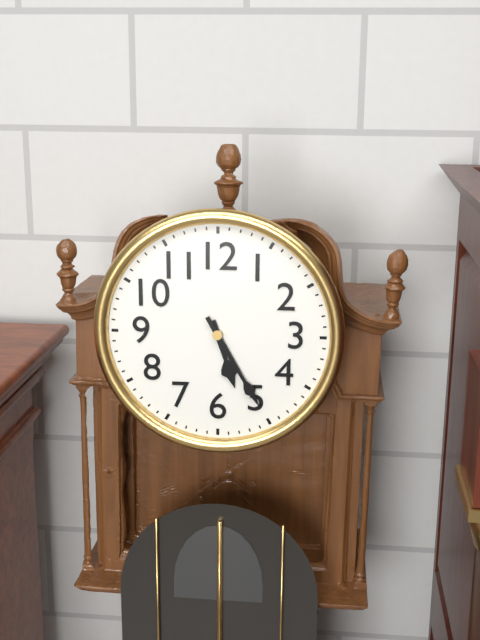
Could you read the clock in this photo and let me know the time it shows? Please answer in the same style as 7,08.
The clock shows 5,25
